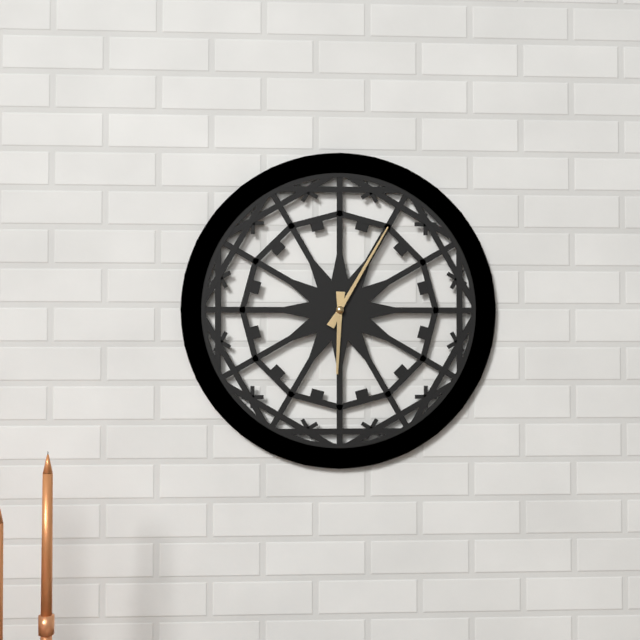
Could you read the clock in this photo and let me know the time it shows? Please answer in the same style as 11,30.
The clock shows 6,05
